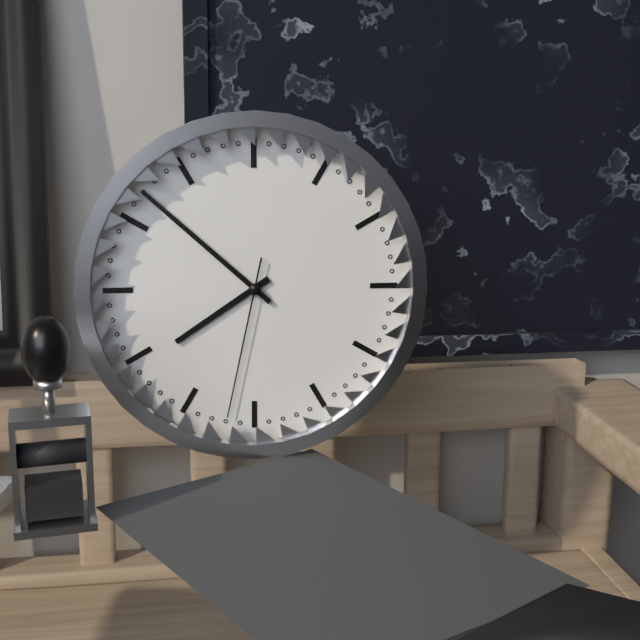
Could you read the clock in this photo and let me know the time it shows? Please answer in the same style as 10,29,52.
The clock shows 7,52,32
